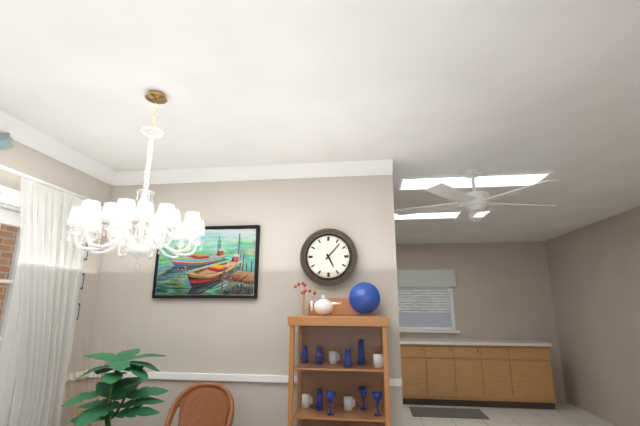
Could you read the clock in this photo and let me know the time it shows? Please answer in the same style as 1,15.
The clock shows 5,07
